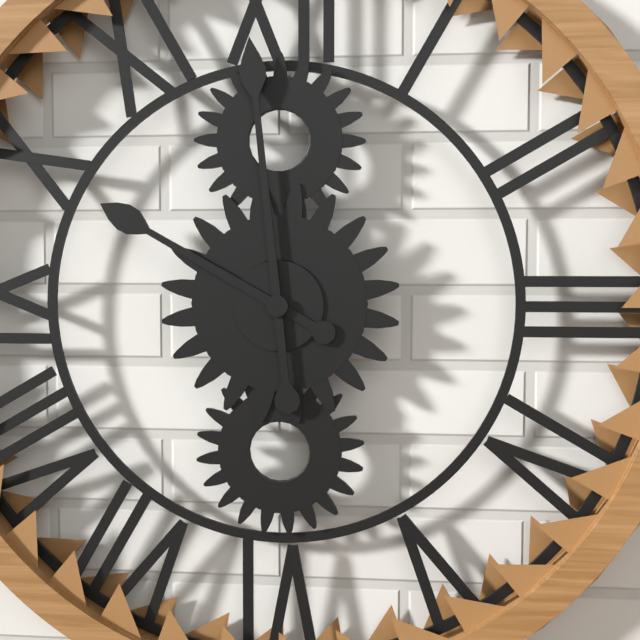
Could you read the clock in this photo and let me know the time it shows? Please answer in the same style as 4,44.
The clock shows 9,59
